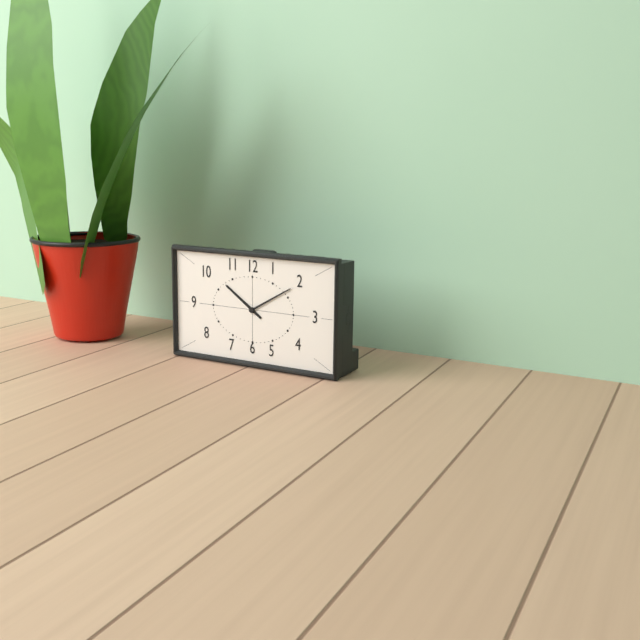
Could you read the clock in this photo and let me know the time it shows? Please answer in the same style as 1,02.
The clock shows 10,10
